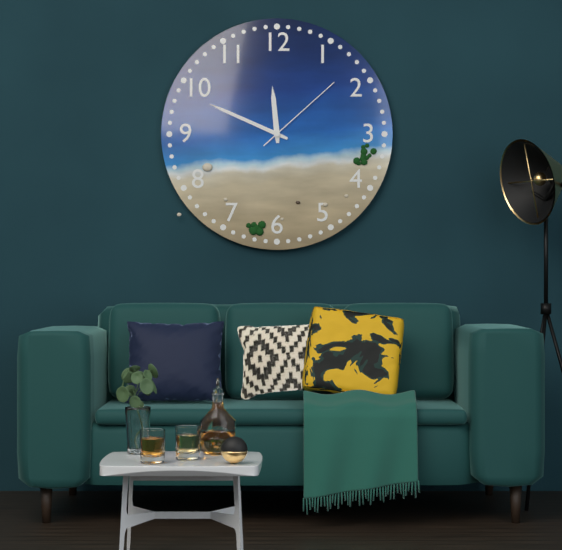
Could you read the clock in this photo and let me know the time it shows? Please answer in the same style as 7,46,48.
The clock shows 11,49,08
